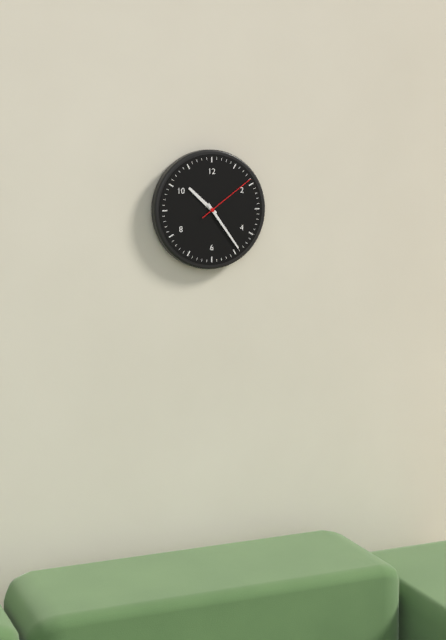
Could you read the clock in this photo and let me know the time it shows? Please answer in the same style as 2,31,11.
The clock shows 10,24,09
